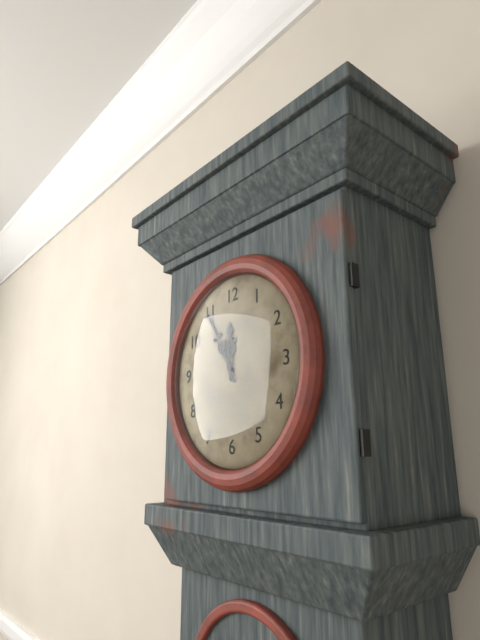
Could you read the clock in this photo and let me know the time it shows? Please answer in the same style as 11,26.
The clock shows 11,55
